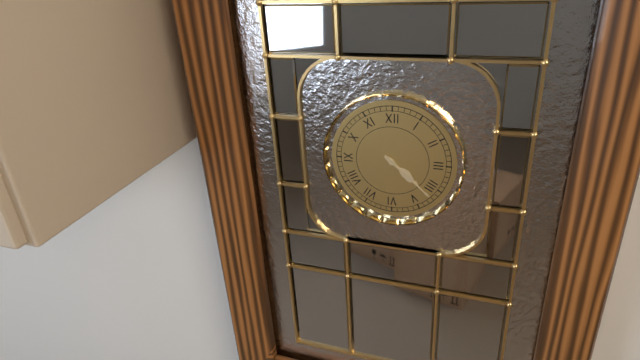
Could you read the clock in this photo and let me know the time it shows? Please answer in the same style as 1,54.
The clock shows 4,22
